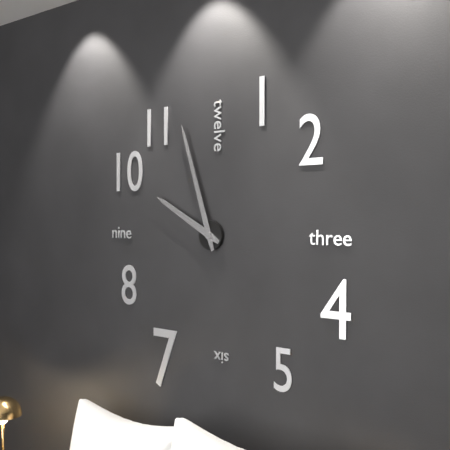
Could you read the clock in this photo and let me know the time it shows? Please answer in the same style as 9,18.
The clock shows 9,57
